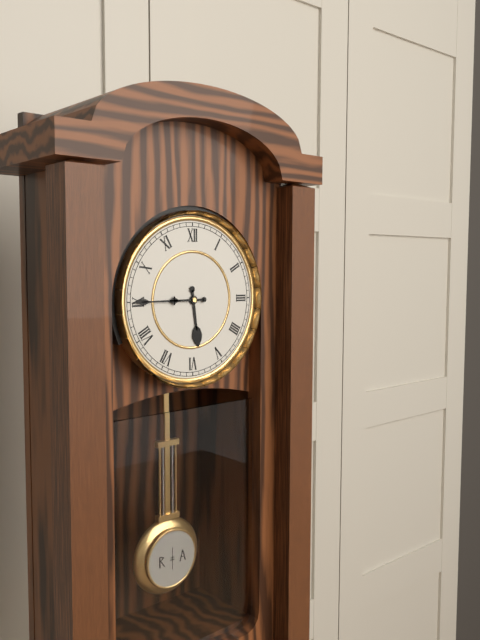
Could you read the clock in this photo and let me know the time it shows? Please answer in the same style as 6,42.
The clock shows 5,45
